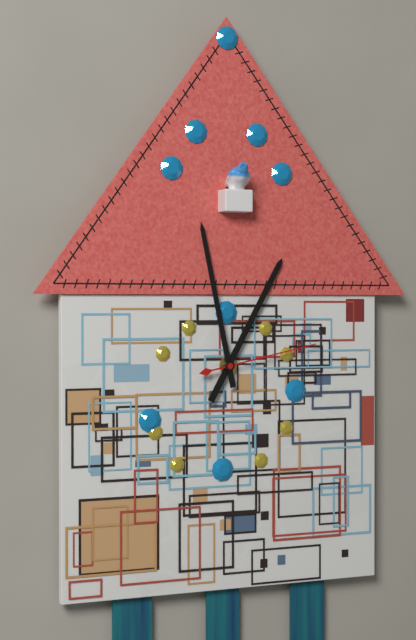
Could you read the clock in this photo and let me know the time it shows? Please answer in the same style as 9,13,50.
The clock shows 12,58,13
